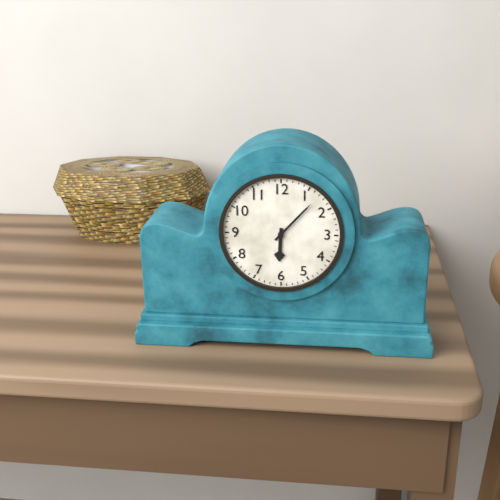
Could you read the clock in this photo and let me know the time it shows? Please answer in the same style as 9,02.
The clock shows 6,07
